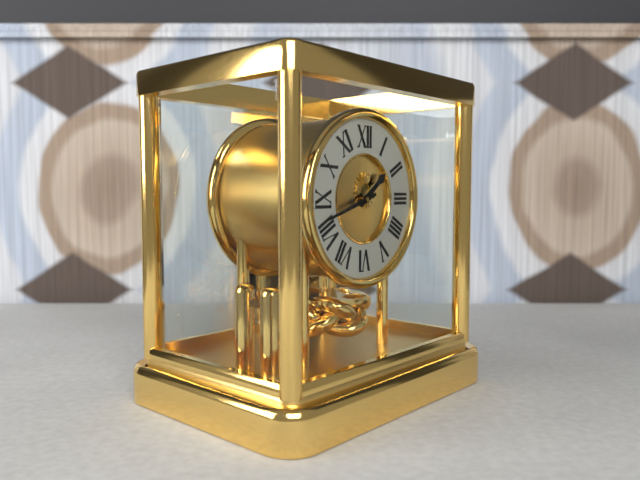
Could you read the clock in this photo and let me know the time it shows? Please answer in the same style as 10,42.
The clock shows 1,42
